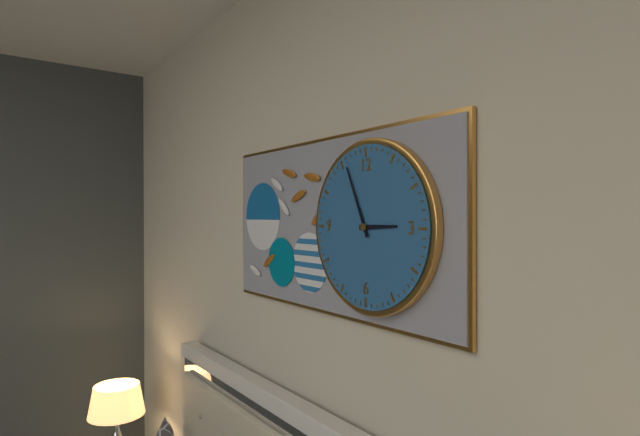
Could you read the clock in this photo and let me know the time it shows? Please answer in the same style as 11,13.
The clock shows 2,56
